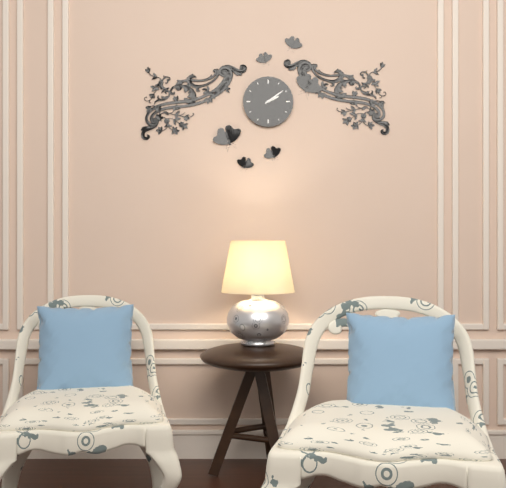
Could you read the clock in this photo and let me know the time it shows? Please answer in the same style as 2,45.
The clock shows 2,09
